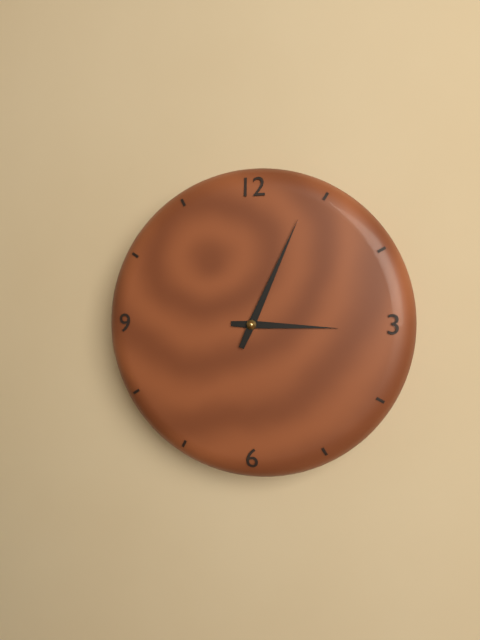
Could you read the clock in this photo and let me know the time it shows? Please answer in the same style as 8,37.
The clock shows 3,04
